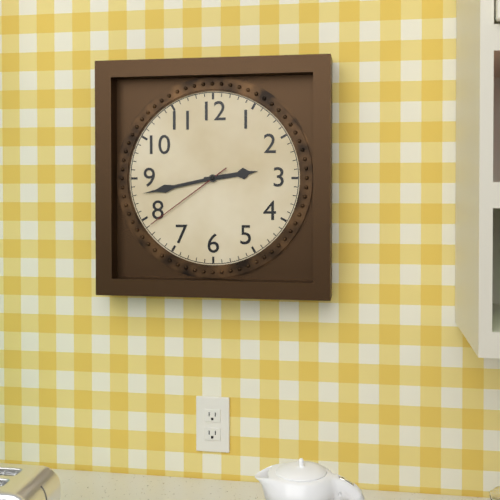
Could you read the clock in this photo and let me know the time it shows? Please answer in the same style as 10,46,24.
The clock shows 2,43,39
